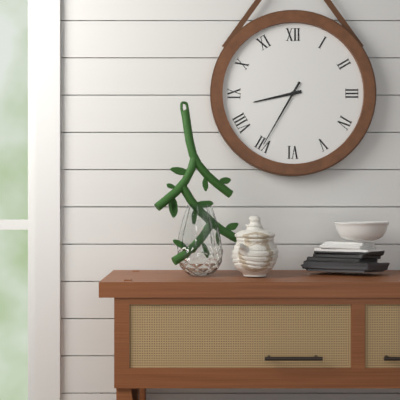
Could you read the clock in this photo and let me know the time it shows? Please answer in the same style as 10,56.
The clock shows 8,35
